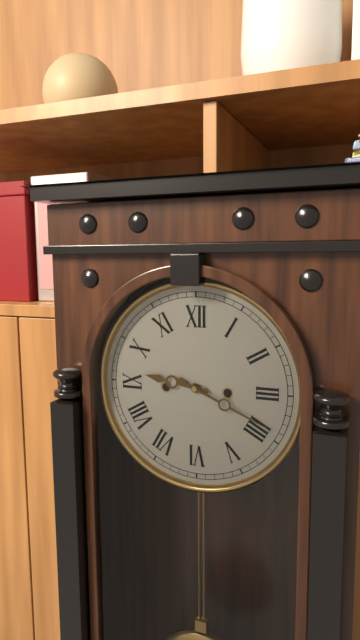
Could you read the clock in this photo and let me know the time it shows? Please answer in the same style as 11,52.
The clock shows 9,19
